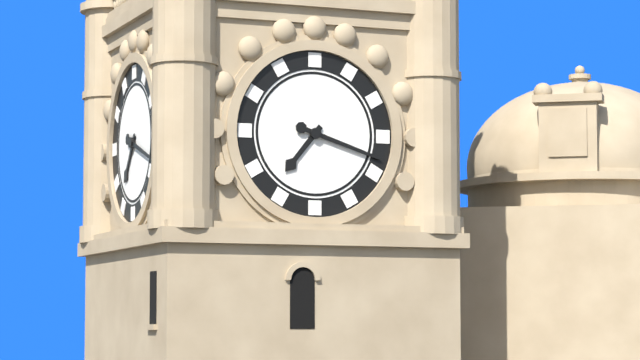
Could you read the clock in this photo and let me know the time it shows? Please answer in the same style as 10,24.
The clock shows 7,18
